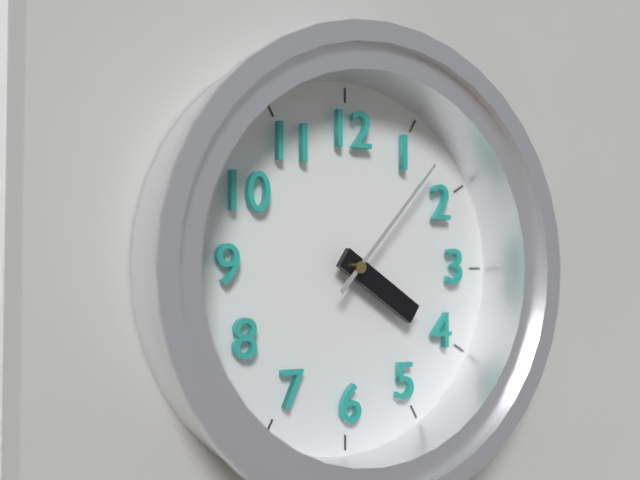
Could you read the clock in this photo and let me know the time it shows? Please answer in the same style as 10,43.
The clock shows 4,07
